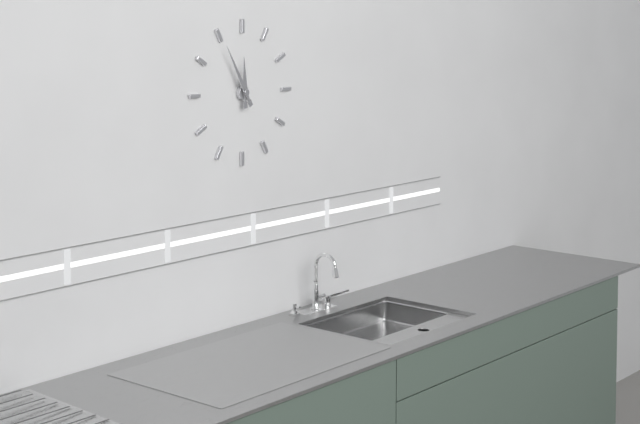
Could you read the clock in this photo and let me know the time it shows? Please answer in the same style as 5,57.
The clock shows 11,55
